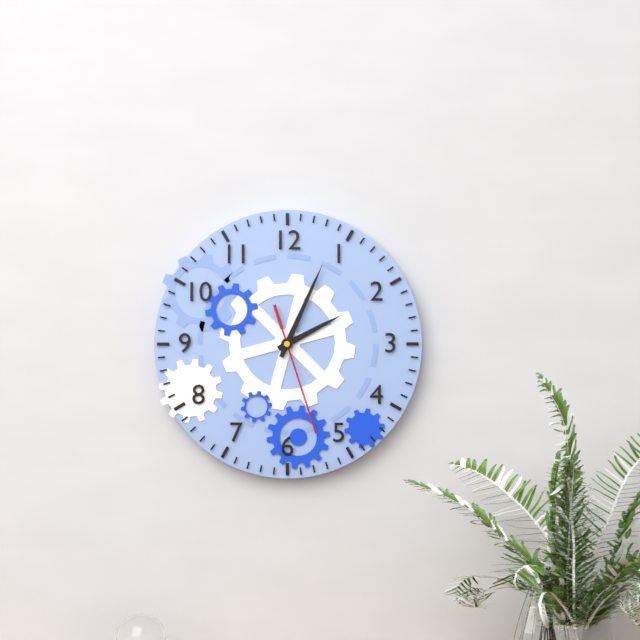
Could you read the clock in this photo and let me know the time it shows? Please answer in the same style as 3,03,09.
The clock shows 2,04,27
